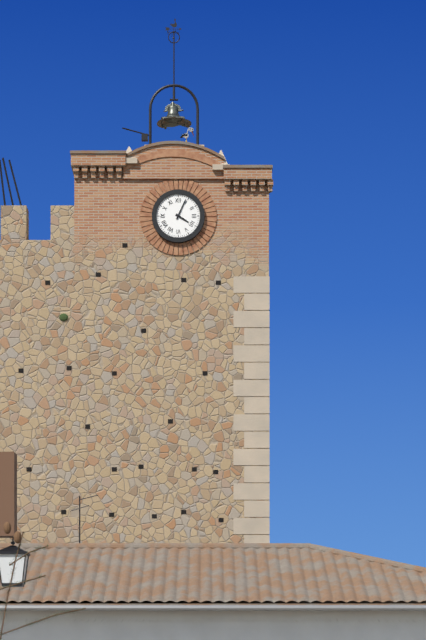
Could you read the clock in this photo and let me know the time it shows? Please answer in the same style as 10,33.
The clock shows 4,04
